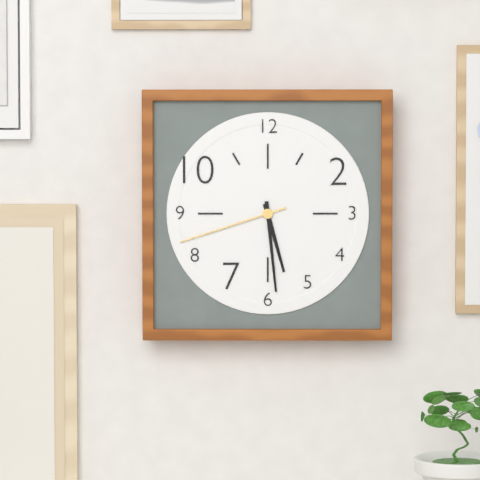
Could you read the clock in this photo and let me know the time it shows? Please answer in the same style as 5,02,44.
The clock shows 5,29,42
